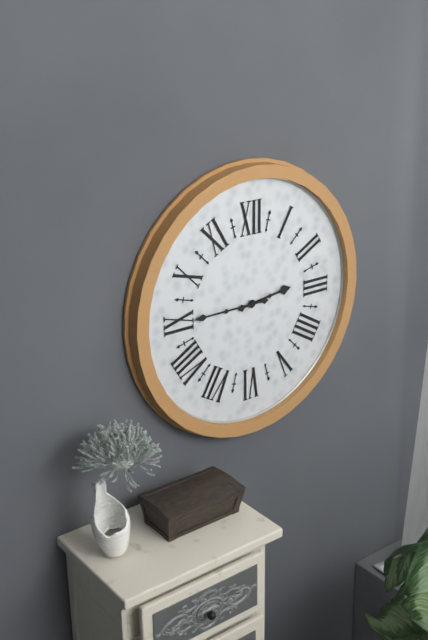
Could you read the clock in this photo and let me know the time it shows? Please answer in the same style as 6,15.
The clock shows 2,45
